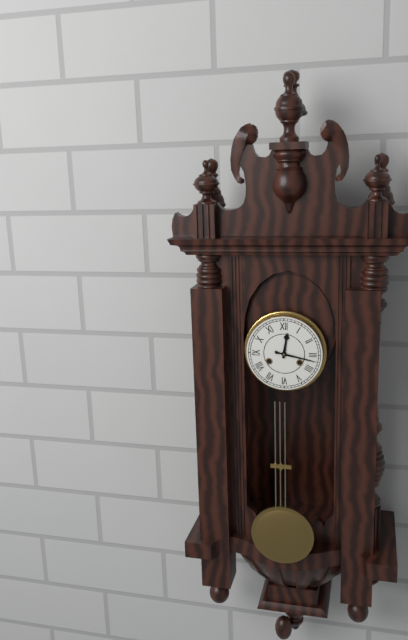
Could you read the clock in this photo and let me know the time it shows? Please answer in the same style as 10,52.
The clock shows 12,17
